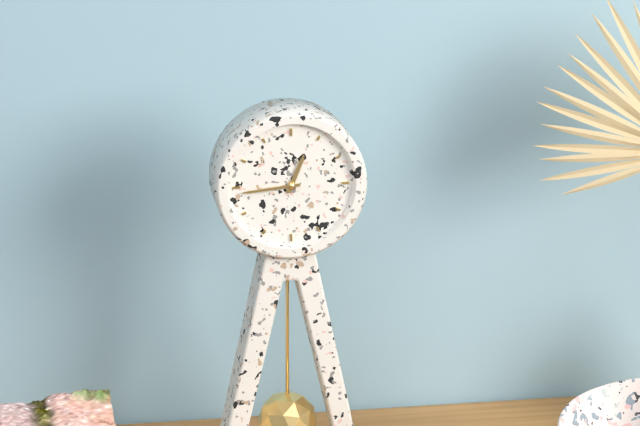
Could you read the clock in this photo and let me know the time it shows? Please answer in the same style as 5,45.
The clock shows 12,44
